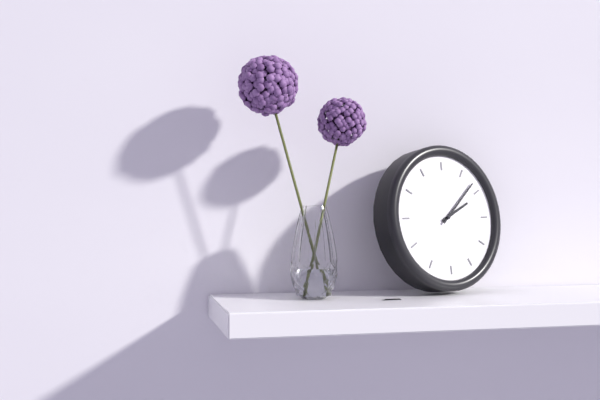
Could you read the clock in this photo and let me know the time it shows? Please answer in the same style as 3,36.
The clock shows 2,08
